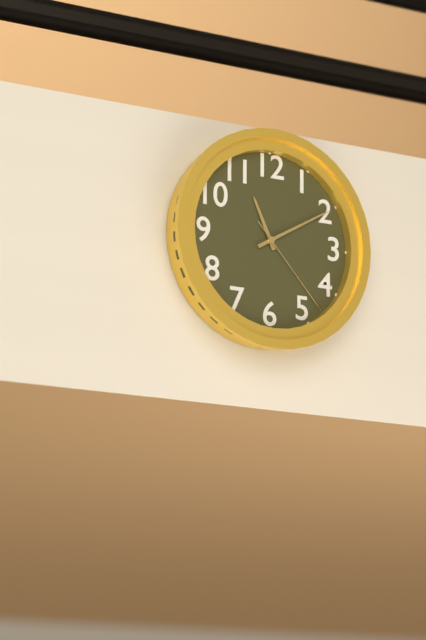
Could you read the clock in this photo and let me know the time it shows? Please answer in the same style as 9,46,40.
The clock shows 11,10,23
